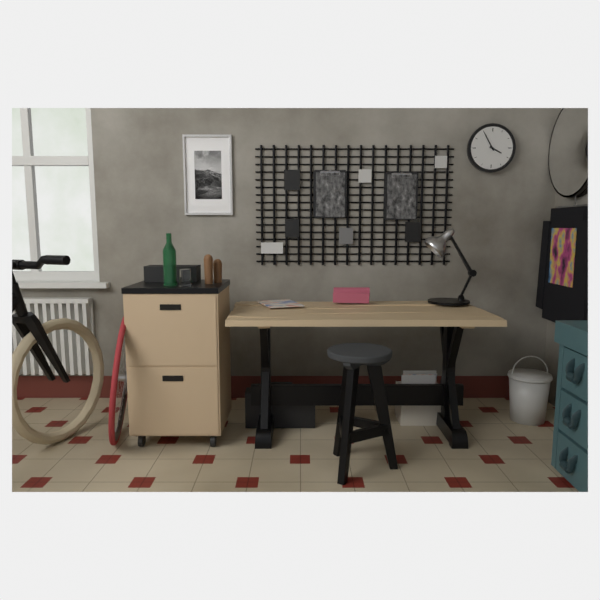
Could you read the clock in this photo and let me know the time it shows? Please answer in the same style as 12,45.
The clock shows 3,55
